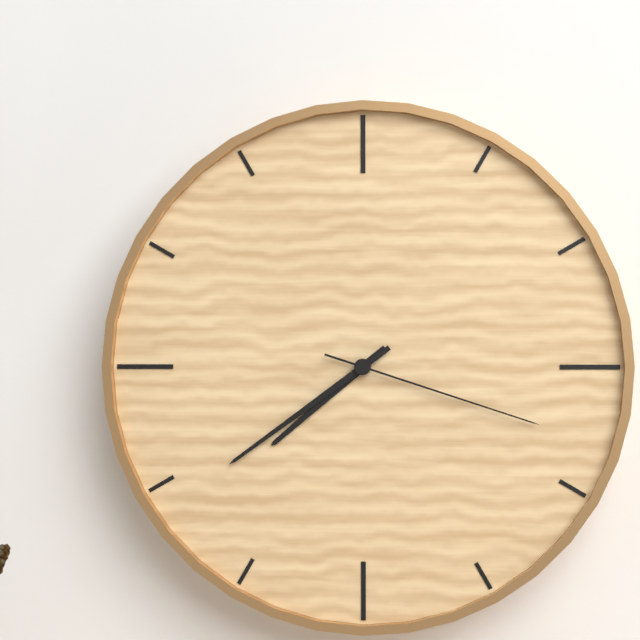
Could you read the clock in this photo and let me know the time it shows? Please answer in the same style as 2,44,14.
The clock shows 7,39,18
